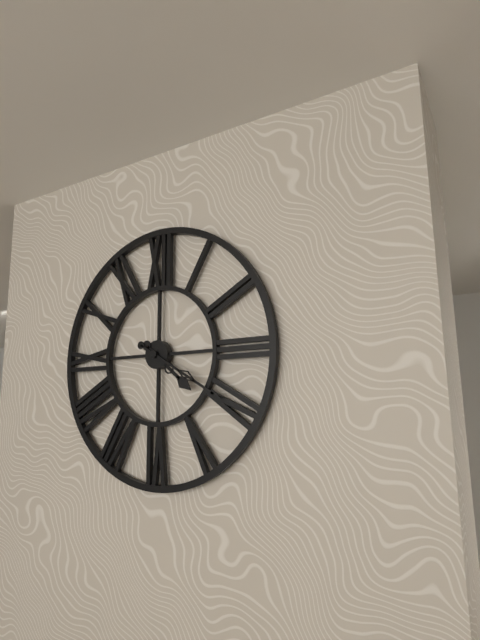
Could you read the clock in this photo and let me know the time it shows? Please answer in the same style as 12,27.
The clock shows 4,20
